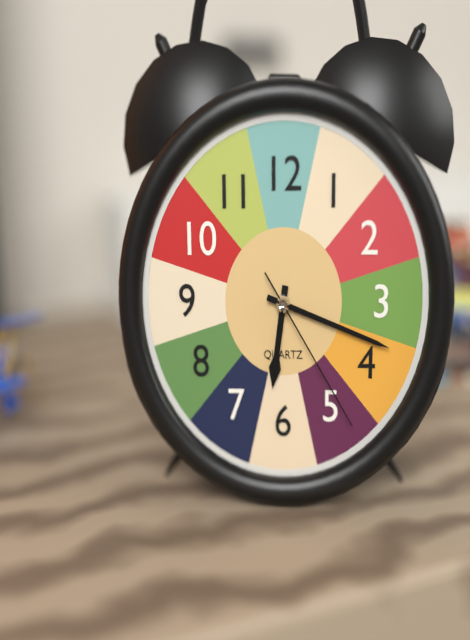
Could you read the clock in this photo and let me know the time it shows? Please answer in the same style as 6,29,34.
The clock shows 6,18,24
